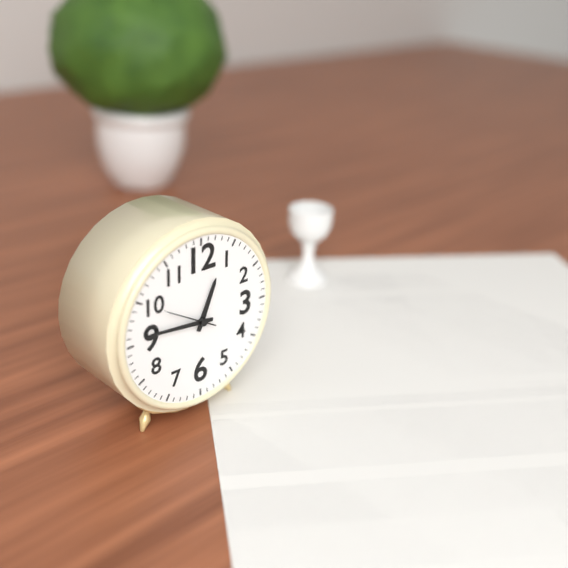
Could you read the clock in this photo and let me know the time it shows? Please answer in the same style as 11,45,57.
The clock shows 12,46,50
